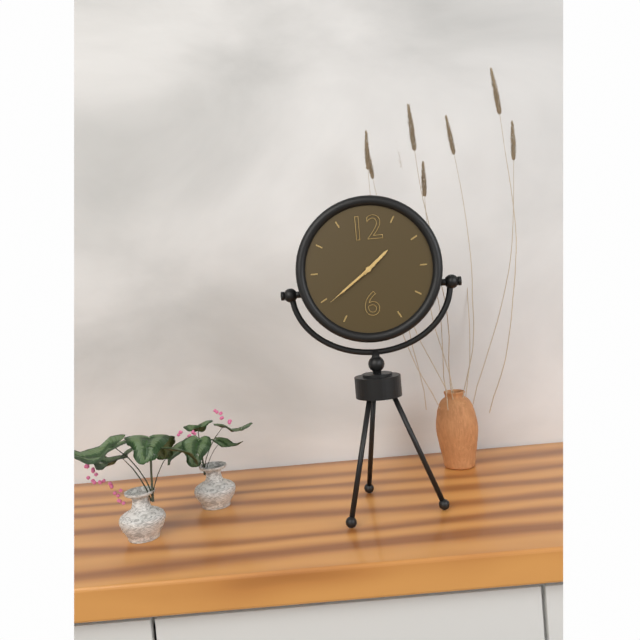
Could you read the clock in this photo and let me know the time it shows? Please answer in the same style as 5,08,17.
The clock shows 1,39,39
